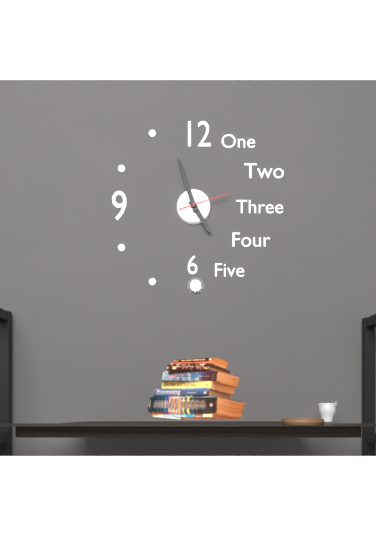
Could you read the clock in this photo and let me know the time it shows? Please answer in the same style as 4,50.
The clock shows 4,57
